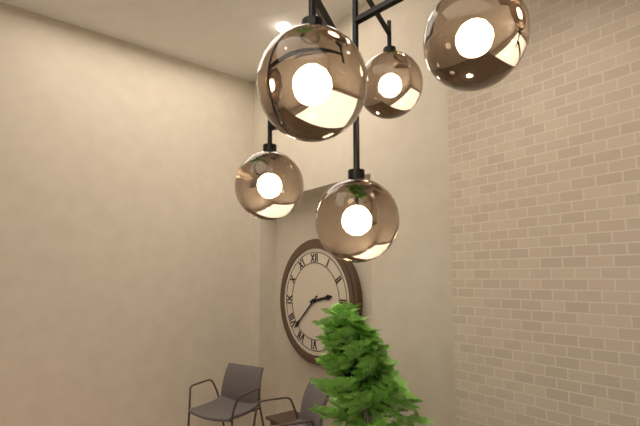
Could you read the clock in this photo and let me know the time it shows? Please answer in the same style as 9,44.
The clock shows 2,38
